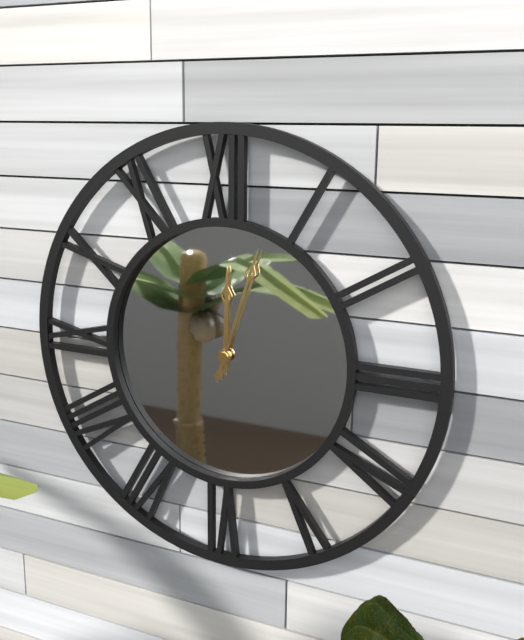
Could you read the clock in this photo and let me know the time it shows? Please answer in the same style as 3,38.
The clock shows 12,03
